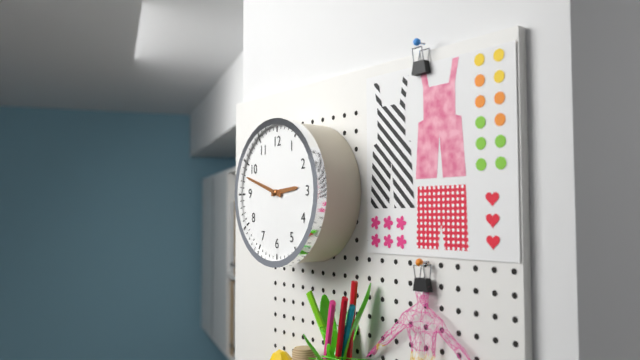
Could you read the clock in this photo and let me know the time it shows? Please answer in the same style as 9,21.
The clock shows 2,48
